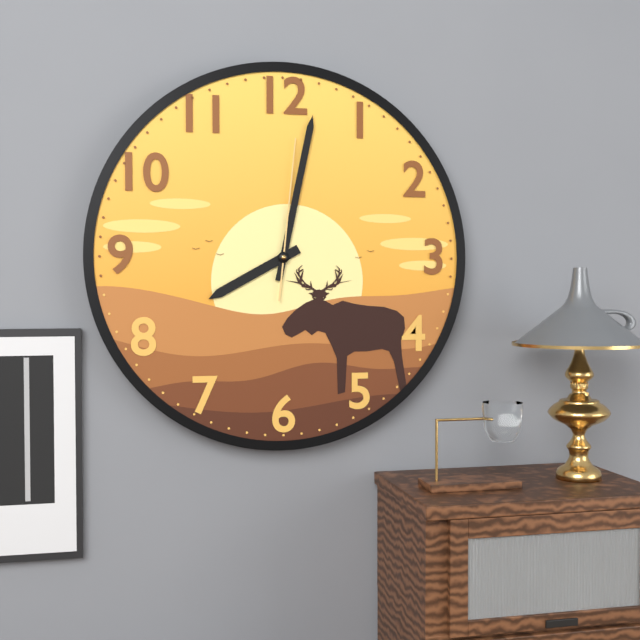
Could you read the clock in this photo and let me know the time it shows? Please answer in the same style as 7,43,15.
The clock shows 8,02,01
